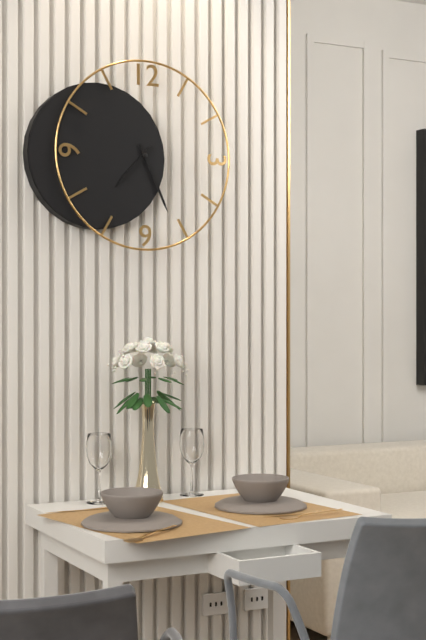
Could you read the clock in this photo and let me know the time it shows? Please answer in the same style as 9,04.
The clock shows 7,26
